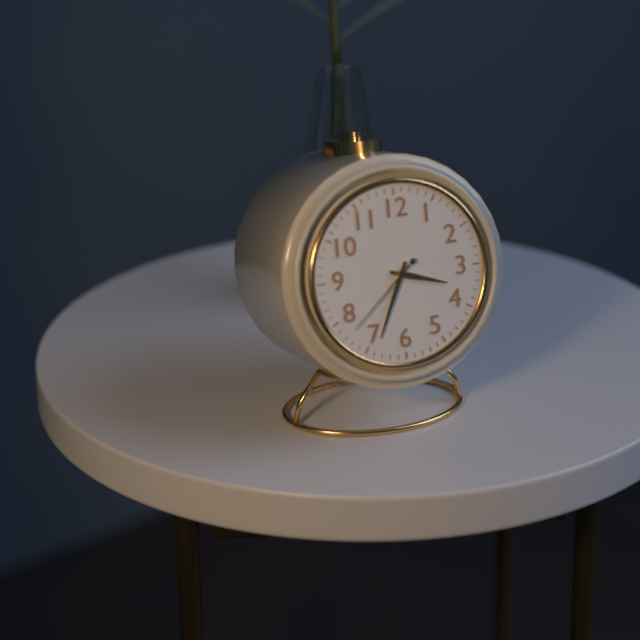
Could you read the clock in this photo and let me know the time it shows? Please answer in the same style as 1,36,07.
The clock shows 3,34,38
